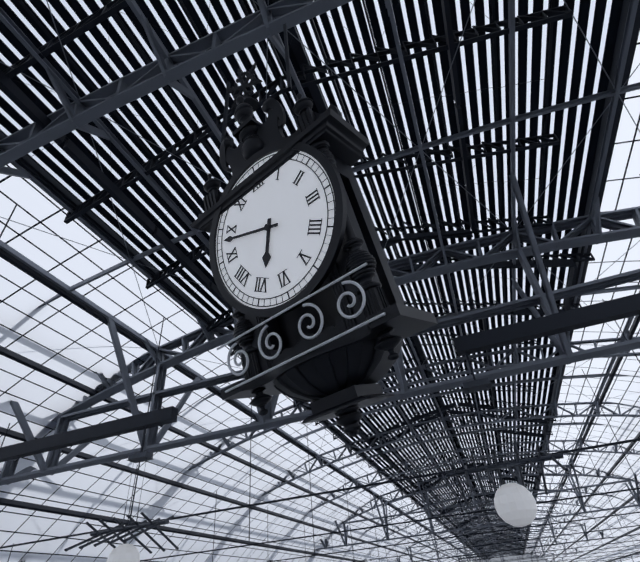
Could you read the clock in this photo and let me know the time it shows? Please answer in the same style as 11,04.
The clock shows 6,48
